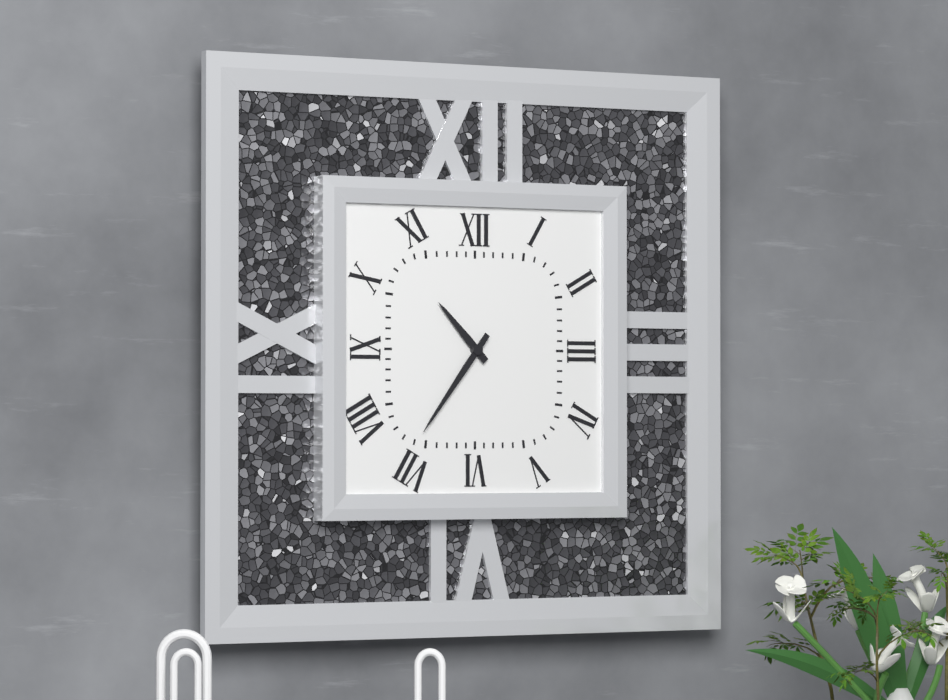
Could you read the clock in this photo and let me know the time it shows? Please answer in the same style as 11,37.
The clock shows 10,36
